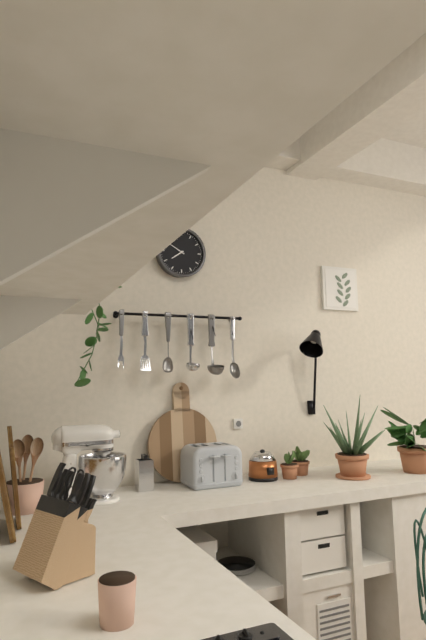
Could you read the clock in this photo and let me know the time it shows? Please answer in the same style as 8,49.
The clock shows 7,50
